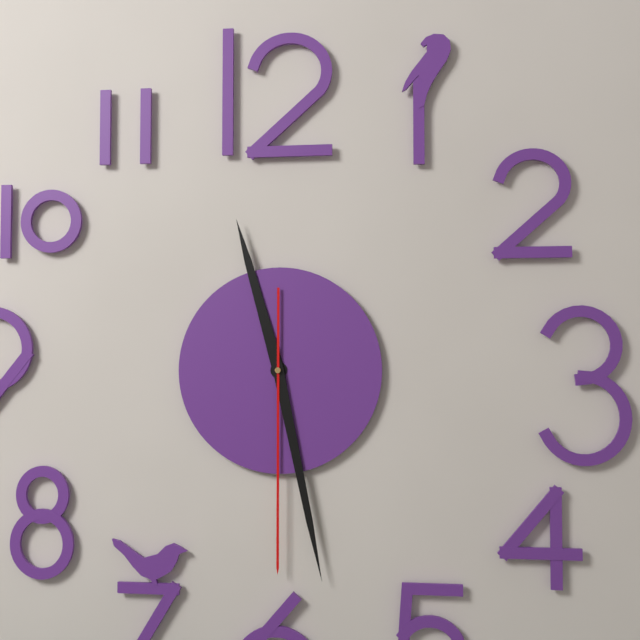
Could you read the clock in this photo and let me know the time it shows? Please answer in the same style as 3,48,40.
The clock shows 11,28,30
